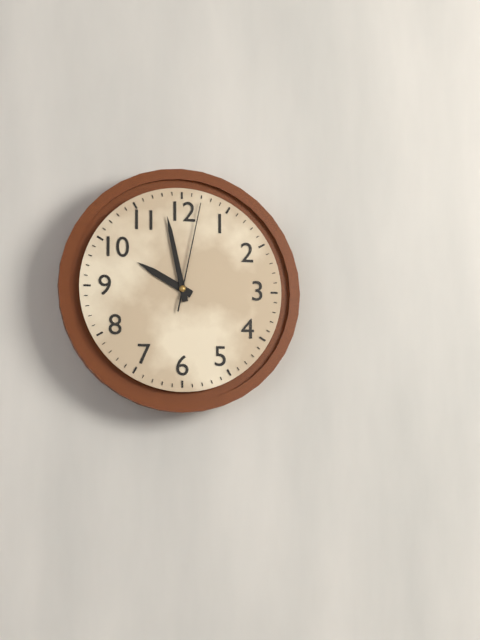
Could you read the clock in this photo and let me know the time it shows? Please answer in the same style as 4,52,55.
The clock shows 9,58,02
